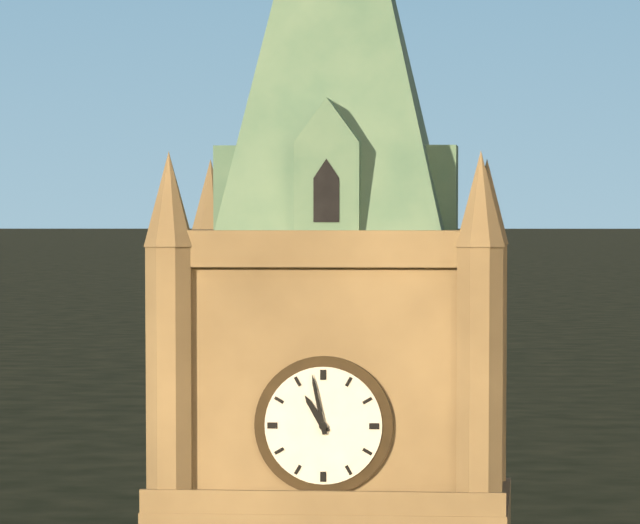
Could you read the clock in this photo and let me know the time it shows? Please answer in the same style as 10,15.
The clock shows 10,58
